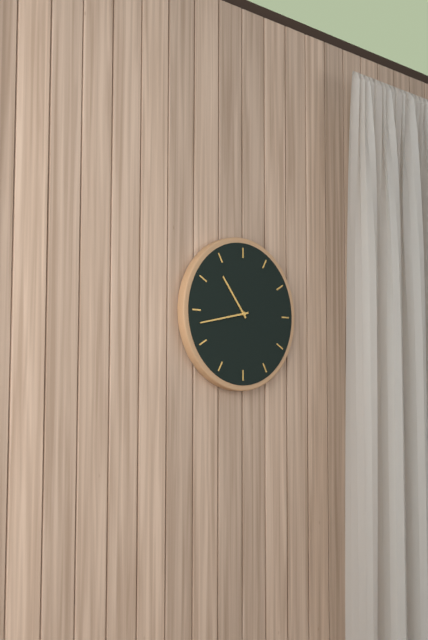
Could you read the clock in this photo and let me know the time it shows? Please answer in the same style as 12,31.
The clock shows 10,43
